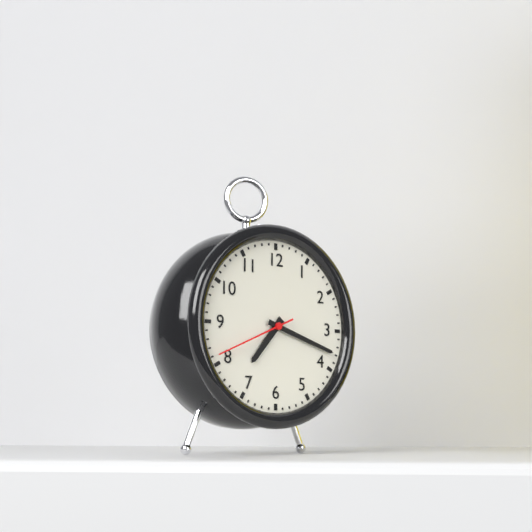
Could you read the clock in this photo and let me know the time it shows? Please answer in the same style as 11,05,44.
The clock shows 7,18,41
